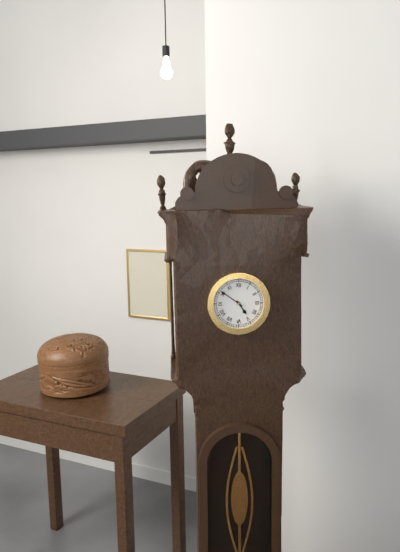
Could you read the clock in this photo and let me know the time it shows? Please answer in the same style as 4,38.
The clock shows 4,51
